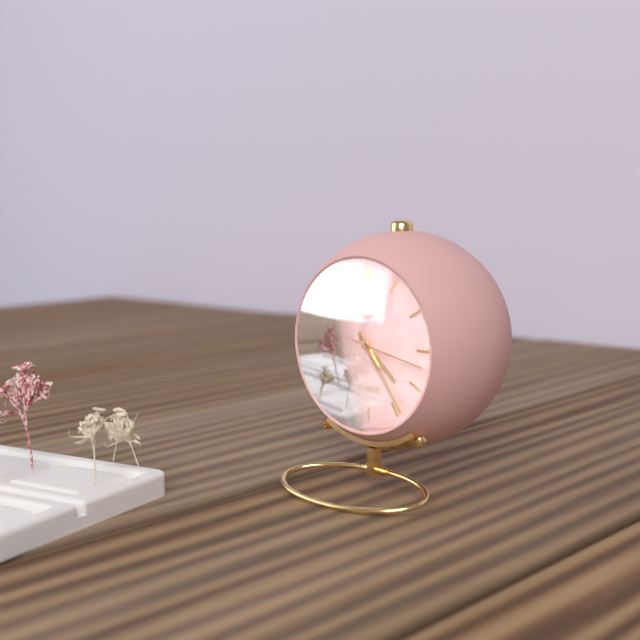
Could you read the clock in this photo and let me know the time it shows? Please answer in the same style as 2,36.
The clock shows 4,24
